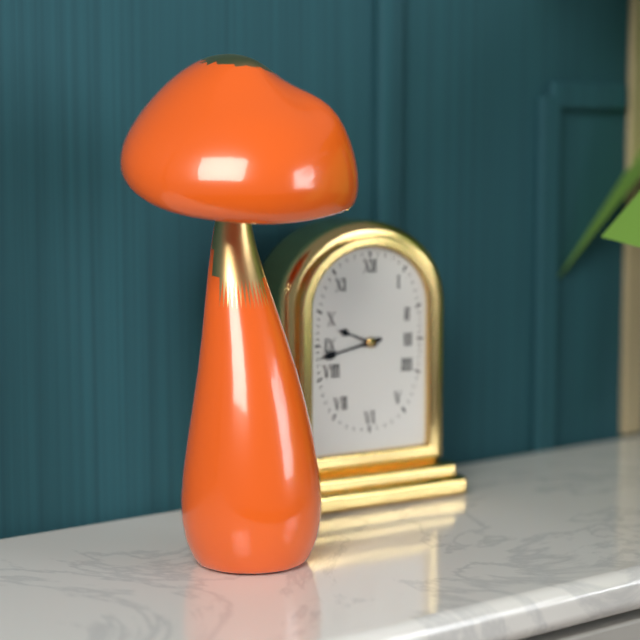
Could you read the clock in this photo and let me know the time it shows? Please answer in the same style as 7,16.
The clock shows 9,43
